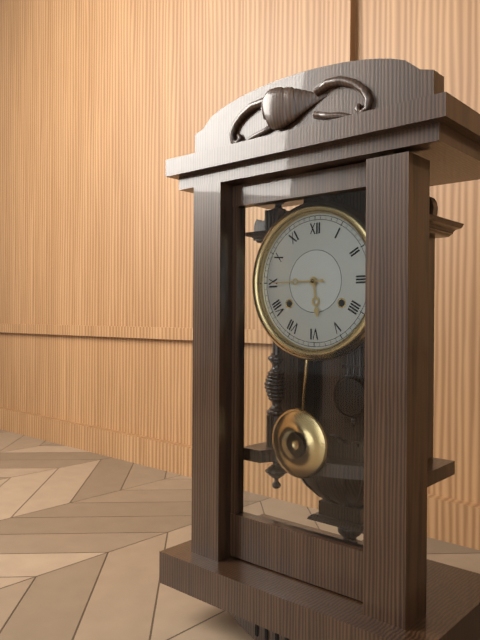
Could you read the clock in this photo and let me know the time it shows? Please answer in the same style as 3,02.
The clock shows 5,45
